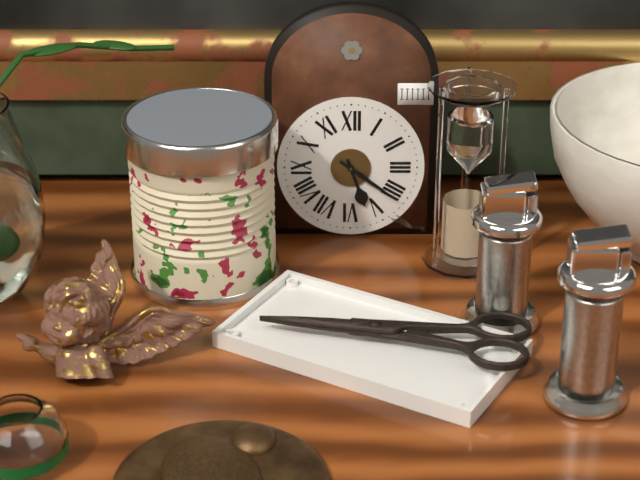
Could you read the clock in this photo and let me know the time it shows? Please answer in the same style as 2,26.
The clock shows 5,21
